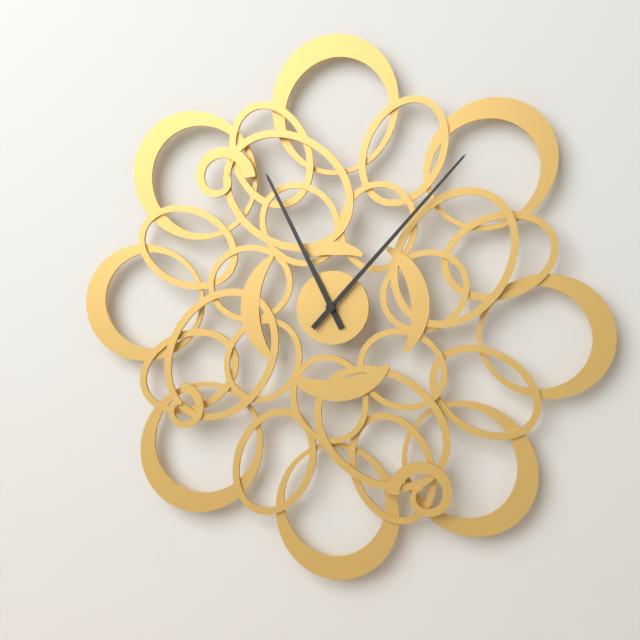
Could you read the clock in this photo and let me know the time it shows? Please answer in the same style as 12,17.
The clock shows 11,07
